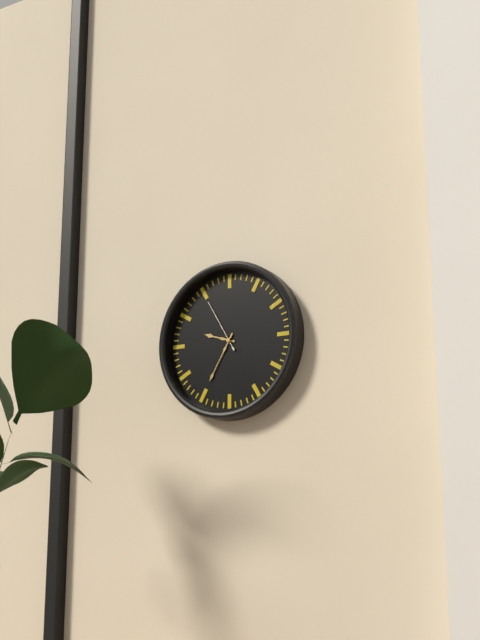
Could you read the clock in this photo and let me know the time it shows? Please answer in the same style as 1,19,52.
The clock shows 9,35,55
